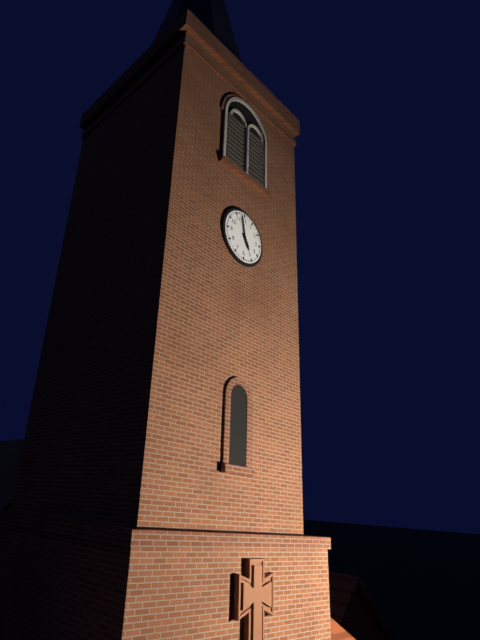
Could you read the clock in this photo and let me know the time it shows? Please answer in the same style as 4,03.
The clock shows 4,58
